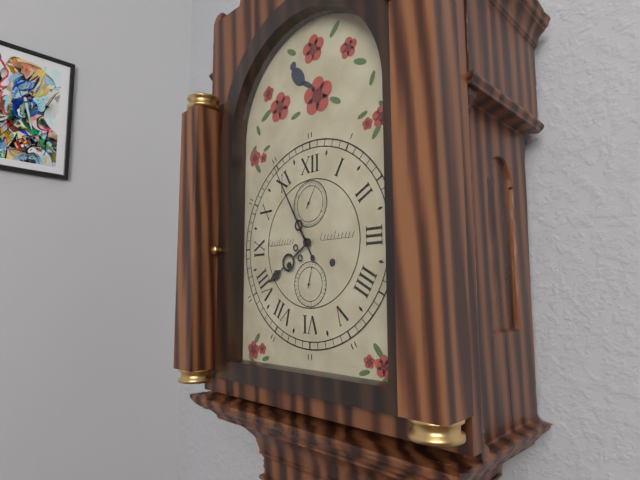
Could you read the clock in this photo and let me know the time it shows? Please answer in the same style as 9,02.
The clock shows 7,55
